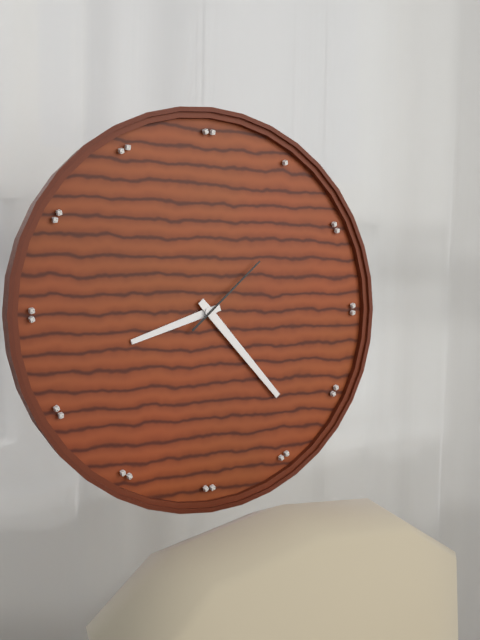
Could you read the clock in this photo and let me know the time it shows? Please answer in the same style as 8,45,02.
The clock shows 8,23,08
